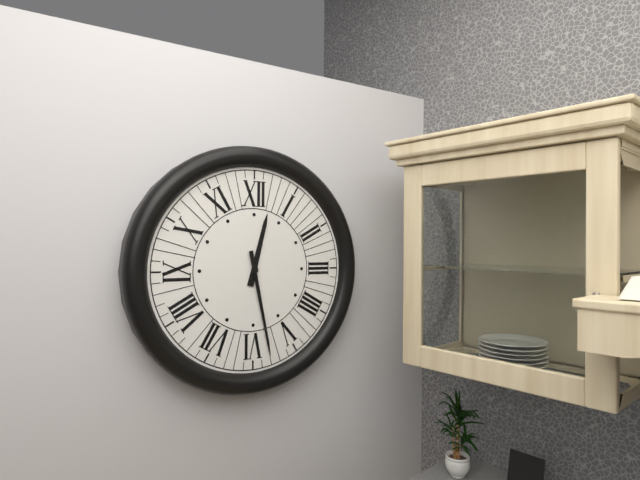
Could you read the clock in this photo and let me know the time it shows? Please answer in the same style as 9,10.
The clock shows 12,28
